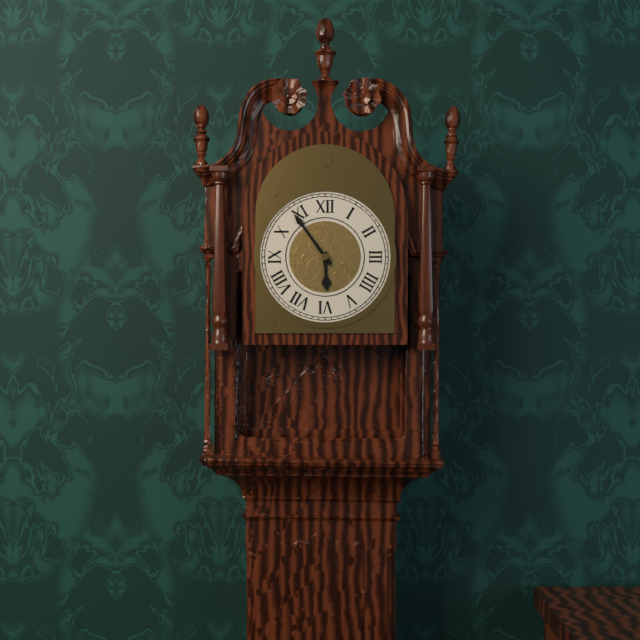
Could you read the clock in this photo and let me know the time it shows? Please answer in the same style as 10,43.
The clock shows 5,54
